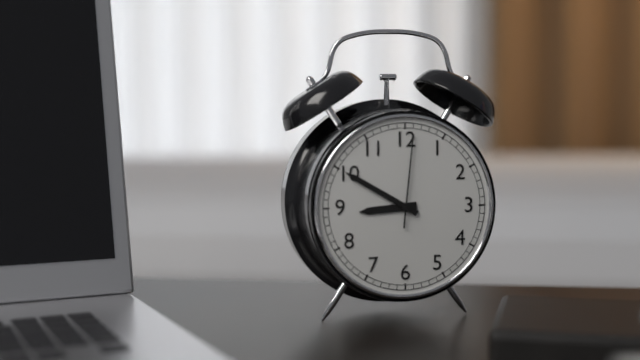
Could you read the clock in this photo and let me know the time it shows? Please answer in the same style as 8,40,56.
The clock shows 8,50,01
